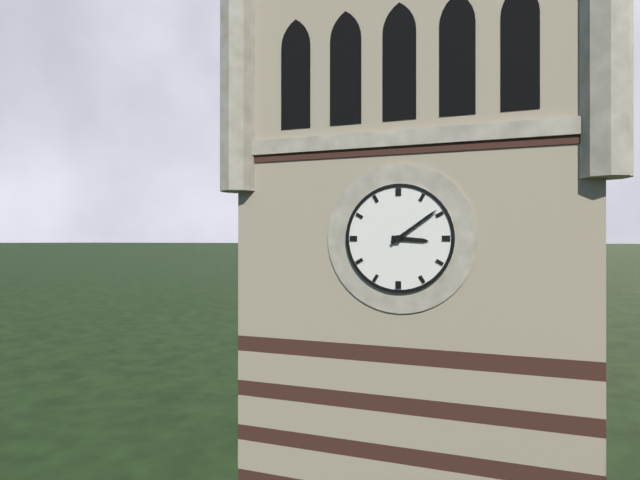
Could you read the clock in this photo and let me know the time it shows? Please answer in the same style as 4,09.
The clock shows 3,09
